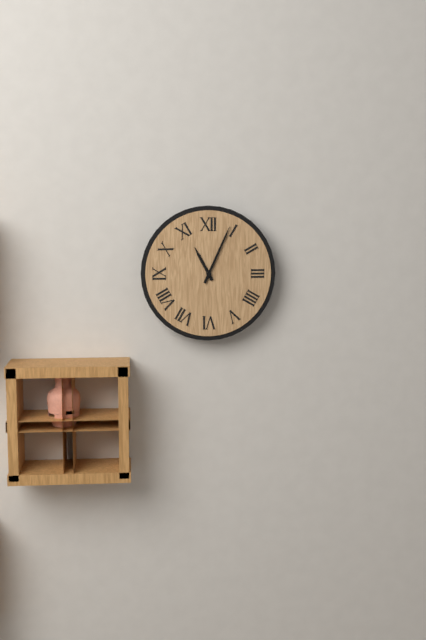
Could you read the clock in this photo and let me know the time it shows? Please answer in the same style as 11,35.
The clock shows 11,04
